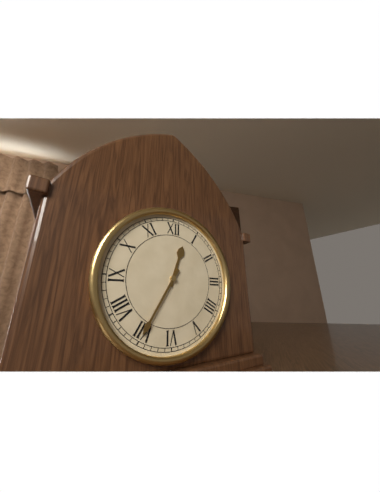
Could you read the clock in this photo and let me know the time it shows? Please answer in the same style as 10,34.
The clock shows 12,35
